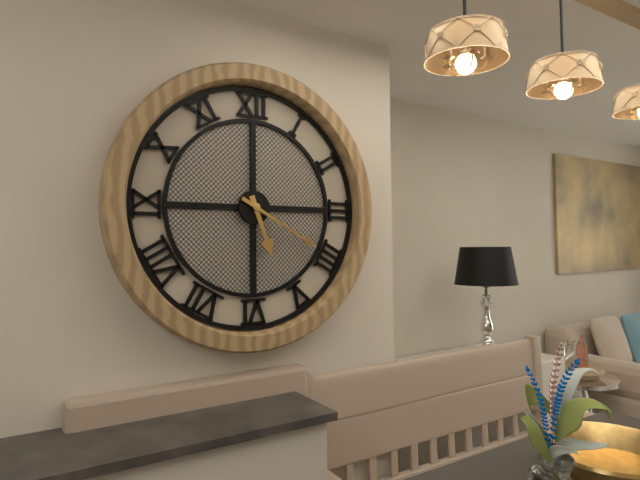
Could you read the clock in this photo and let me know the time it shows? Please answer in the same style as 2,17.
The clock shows 5,20
